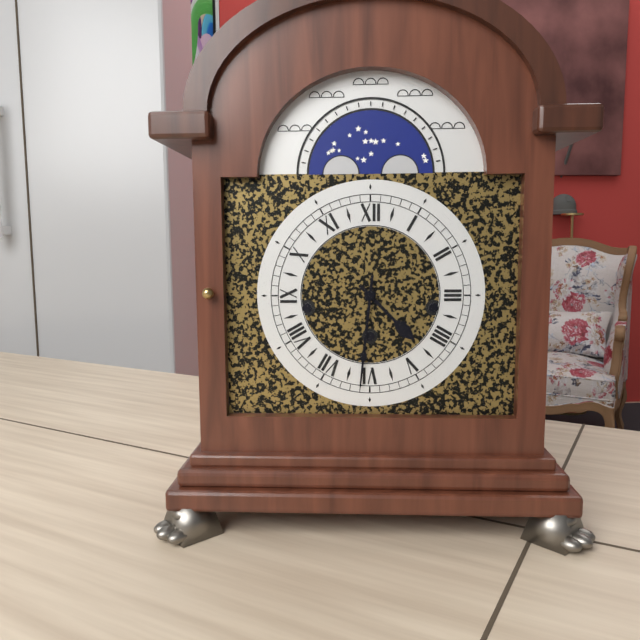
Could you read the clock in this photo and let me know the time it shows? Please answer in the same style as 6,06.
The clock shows 4,31
